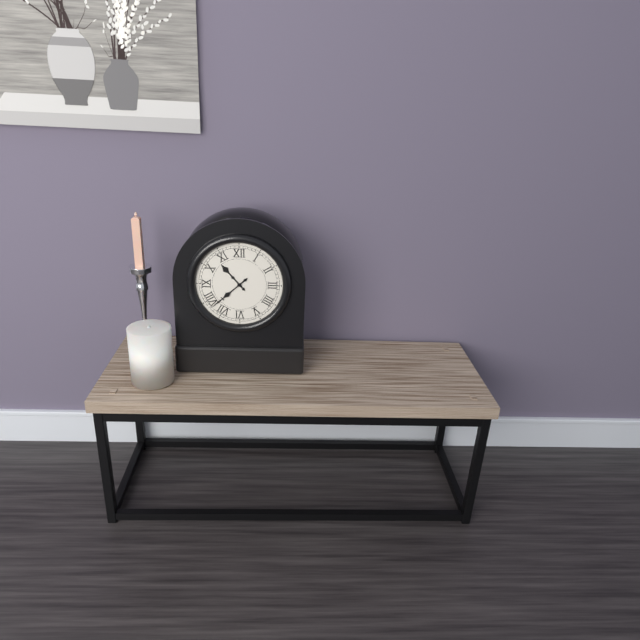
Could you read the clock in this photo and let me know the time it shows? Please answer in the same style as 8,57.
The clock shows 10,38
